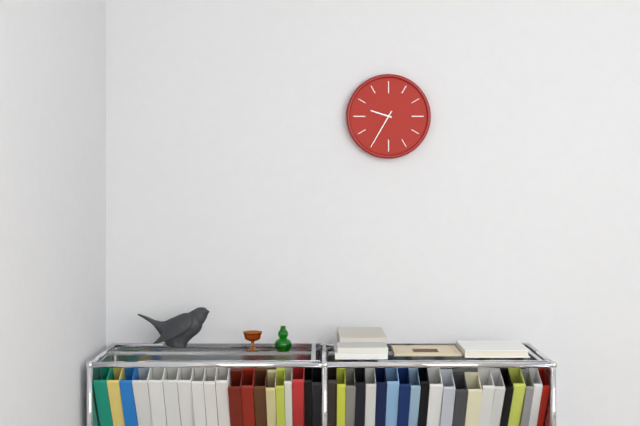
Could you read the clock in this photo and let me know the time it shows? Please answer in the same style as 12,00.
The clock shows 9,35
